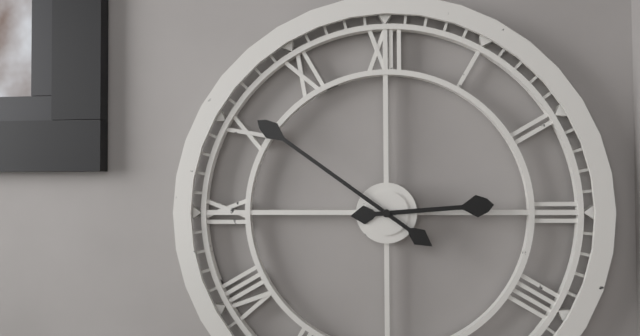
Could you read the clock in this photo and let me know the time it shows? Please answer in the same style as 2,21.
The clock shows 2,51
